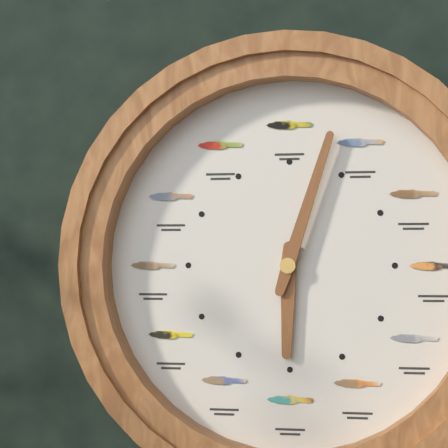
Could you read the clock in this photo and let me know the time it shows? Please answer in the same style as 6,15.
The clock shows 6,03
